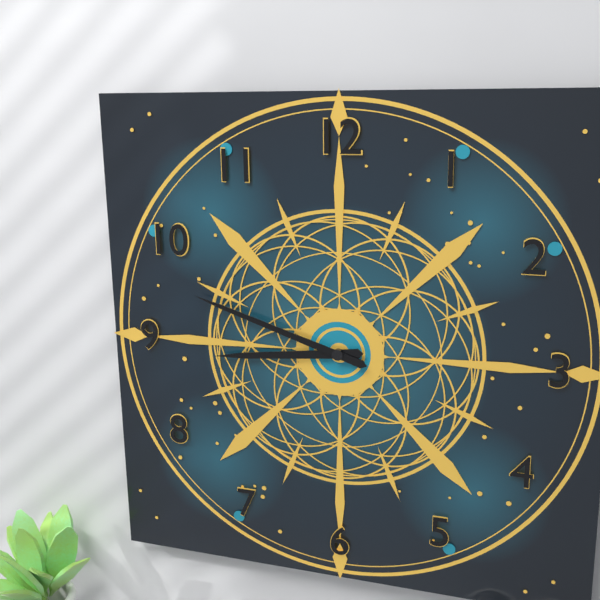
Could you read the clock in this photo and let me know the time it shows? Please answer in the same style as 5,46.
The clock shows 8,48
